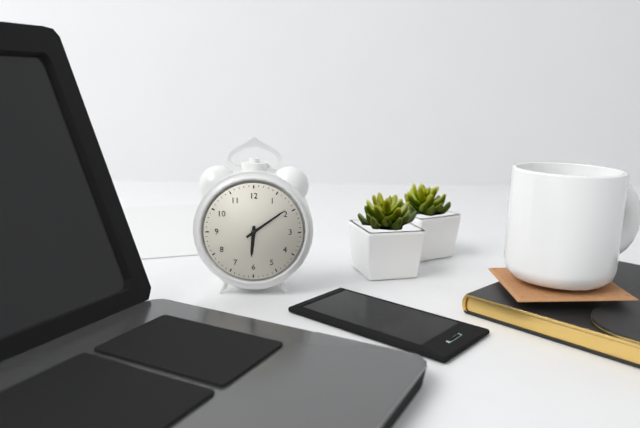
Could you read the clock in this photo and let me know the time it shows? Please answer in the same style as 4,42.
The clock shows 6,09
